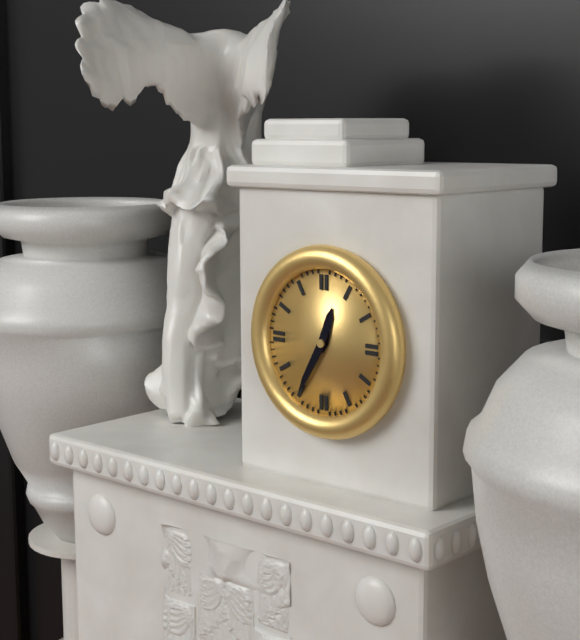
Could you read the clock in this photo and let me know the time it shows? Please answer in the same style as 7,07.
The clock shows 12,35
